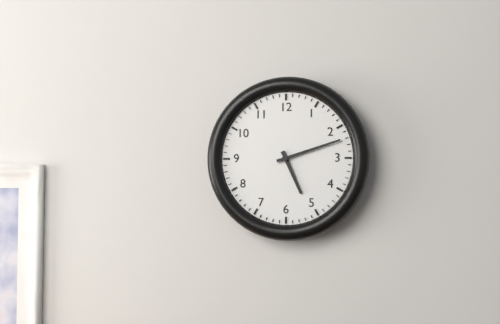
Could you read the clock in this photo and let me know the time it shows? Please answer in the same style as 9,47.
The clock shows 5,12
